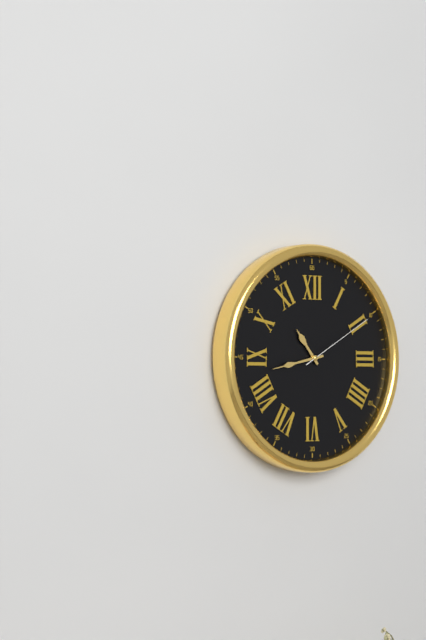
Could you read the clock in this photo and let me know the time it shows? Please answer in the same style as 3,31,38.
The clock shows 10,43,10
